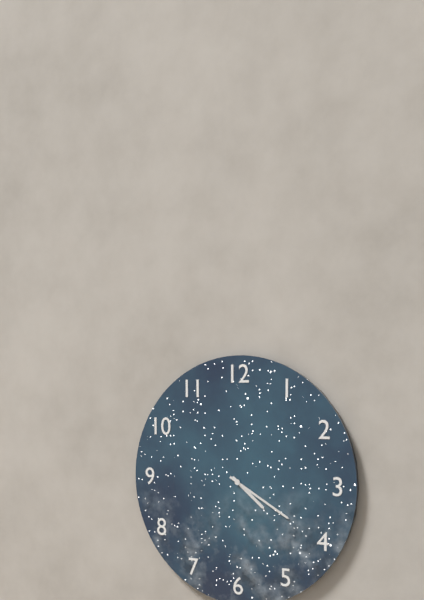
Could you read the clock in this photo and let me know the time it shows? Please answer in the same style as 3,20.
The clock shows 4,20
